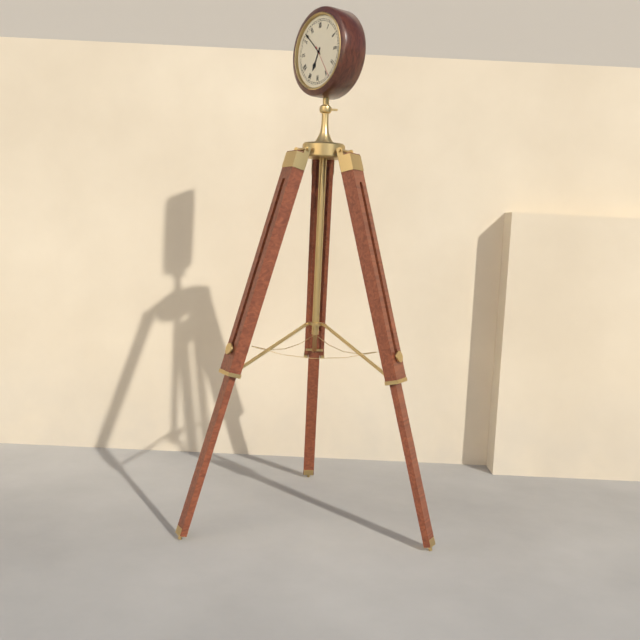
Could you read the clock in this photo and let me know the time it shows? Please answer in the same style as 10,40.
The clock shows 6,52
